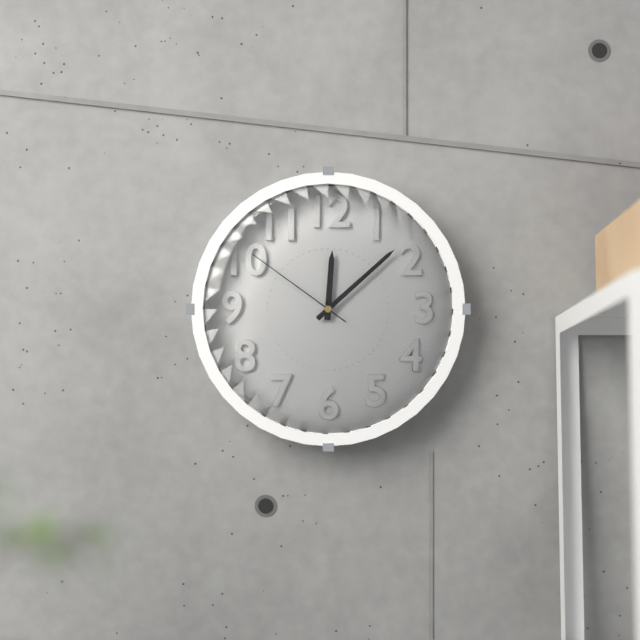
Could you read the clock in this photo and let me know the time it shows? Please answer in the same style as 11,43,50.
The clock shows 12,08,51
